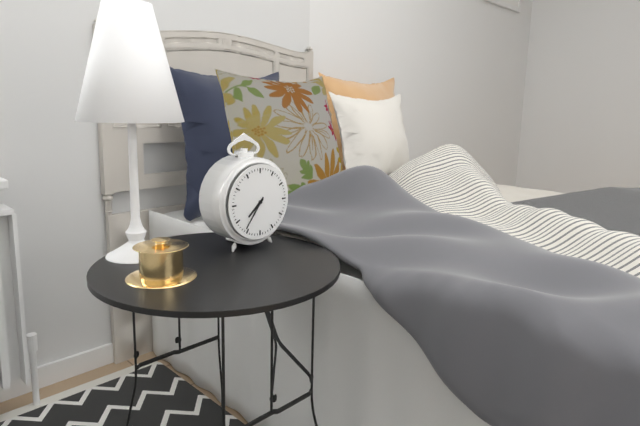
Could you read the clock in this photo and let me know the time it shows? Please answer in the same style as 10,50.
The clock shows 7,36
